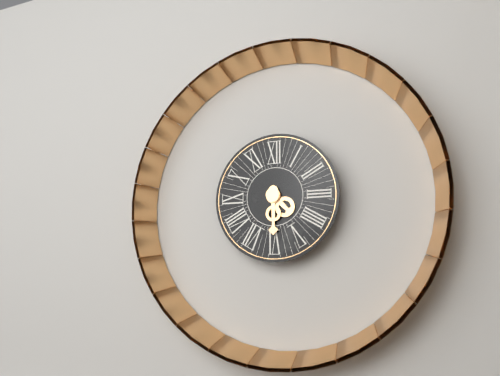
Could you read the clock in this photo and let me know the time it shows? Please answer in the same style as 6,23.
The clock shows 4,30
